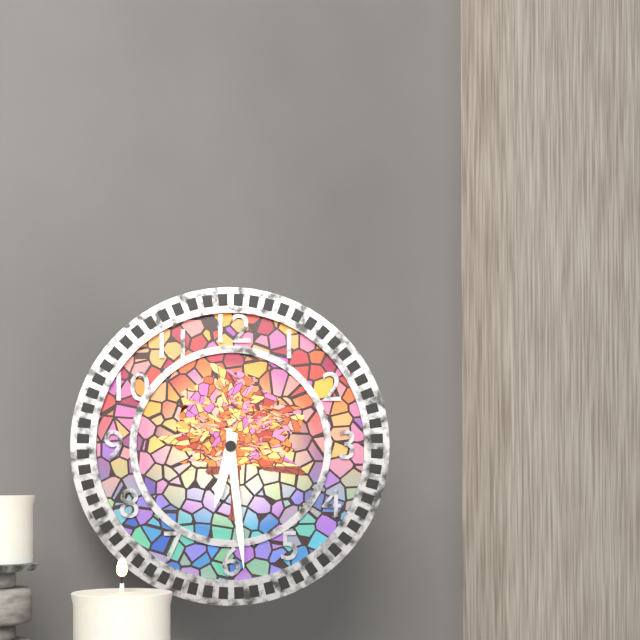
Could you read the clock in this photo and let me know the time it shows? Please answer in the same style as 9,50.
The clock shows 6,29
